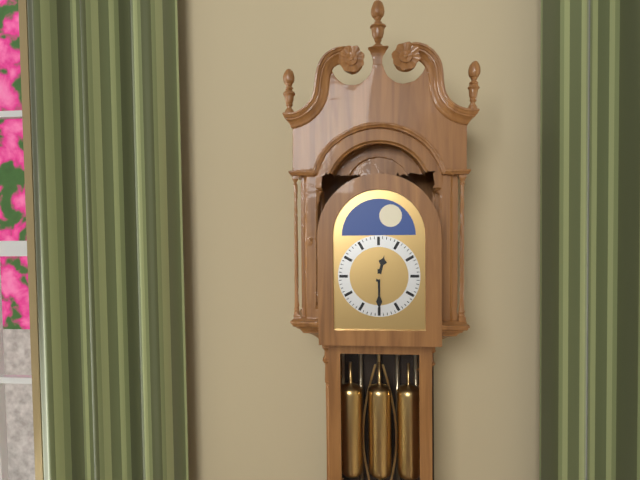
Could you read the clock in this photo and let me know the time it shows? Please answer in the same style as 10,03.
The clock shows 12,30
